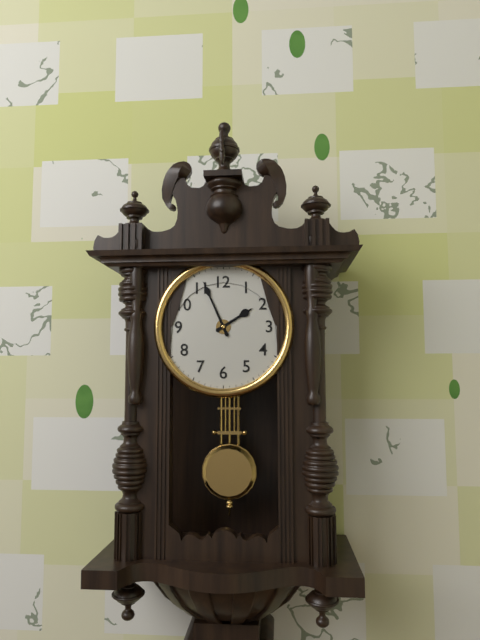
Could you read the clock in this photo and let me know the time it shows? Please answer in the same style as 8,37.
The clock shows 1,56
